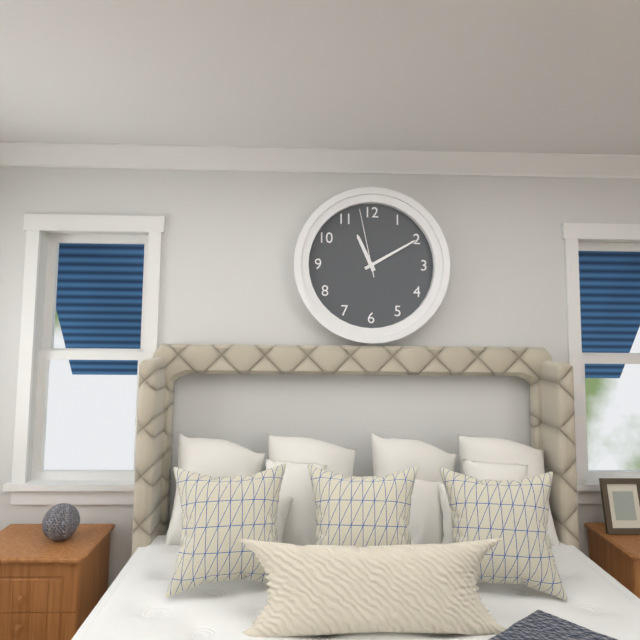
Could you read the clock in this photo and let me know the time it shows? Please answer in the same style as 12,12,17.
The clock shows 11,10,58
